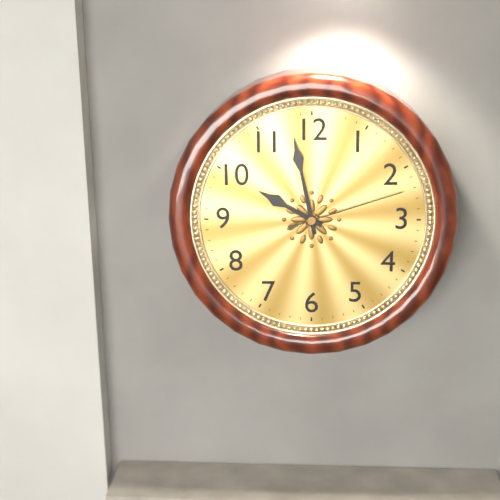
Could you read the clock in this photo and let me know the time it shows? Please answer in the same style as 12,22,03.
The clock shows 9,58,12
